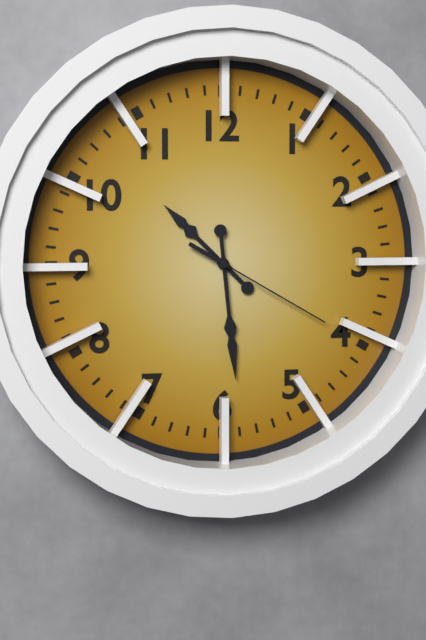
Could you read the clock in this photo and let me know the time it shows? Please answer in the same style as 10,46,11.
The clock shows 10,29,20
